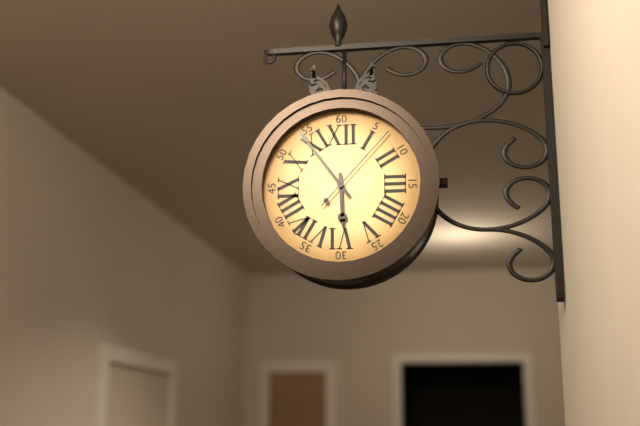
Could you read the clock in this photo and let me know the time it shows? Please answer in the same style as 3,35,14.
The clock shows 5,54,07
